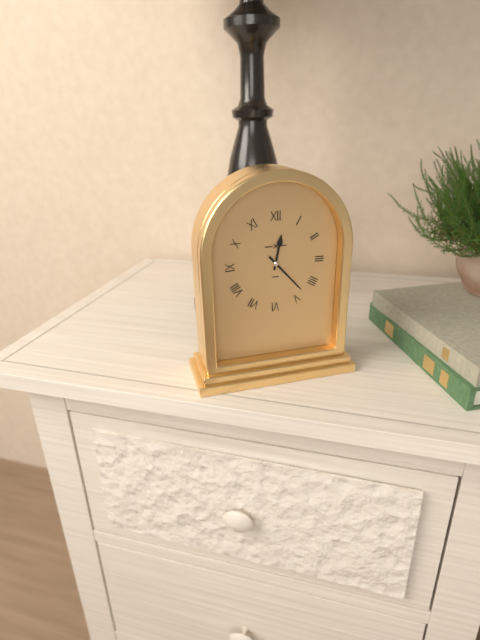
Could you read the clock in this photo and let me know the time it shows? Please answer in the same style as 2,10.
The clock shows 12,23
